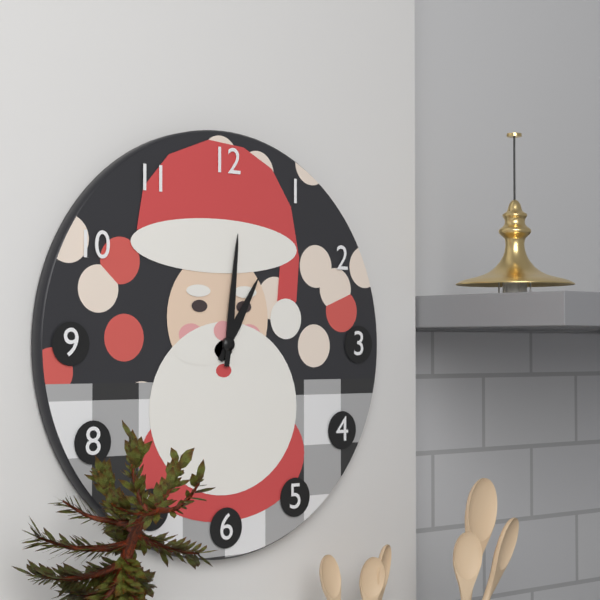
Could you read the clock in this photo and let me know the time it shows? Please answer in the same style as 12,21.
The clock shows 1,01
